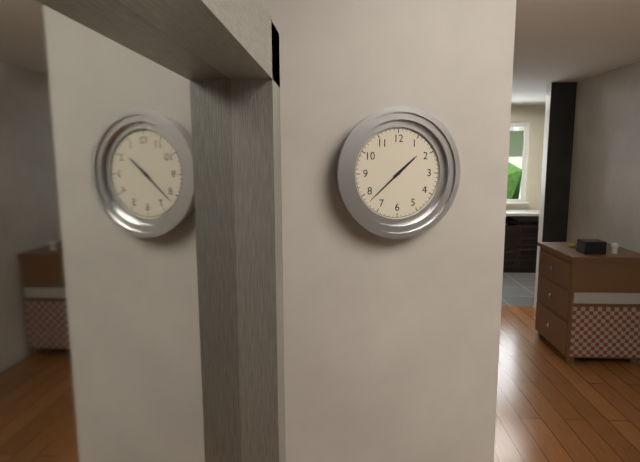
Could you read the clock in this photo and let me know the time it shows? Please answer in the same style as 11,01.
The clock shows 1,38
